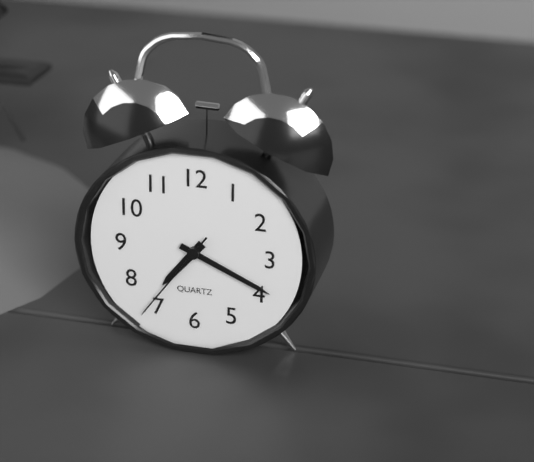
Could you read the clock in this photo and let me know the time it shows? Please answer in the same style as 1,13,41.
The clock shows 7,19,36
